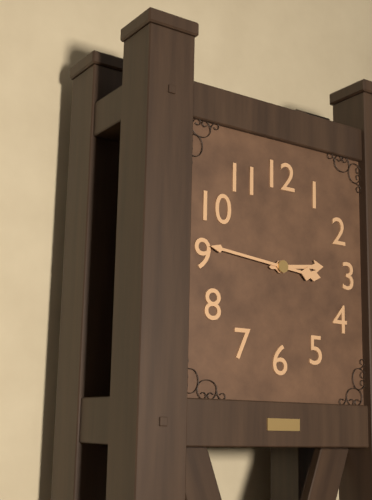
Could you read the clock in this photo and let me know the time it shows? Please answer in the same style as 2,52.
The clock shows 2,46
